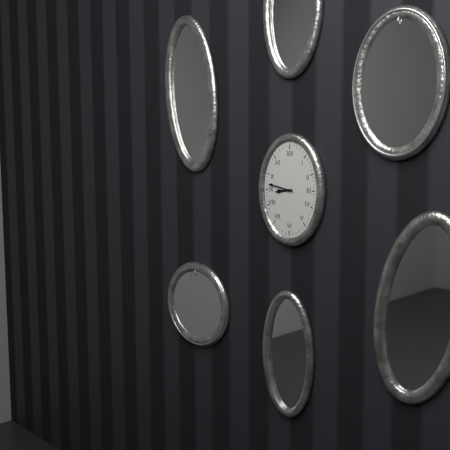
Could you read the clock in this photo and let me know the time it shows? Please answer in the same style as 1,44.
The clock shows 8,47
